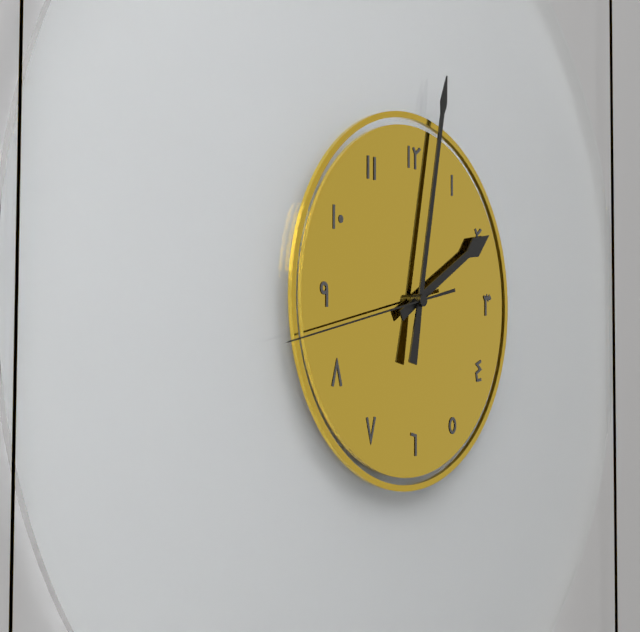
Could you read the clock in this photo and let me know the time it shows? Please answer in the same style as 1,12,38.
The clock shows 2,02,43
